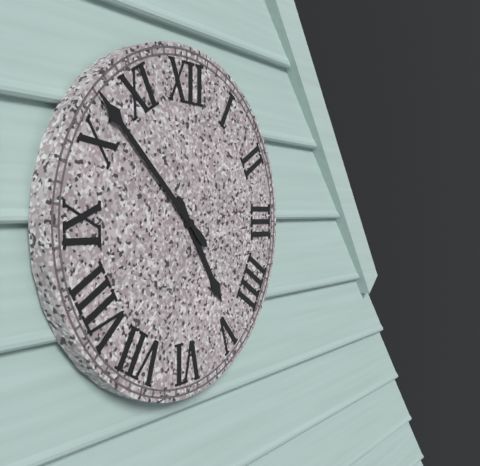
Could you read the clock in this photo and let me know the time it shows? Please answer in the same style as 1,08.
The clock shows 4,52
